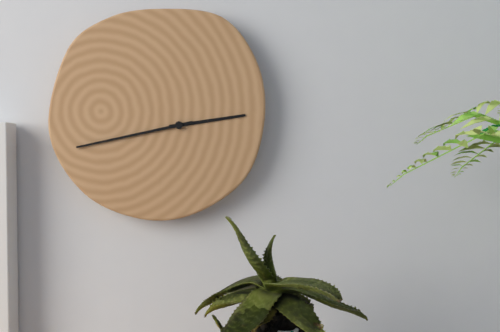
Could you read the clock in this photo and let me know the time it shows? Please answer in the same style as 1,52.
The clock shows 2,43
